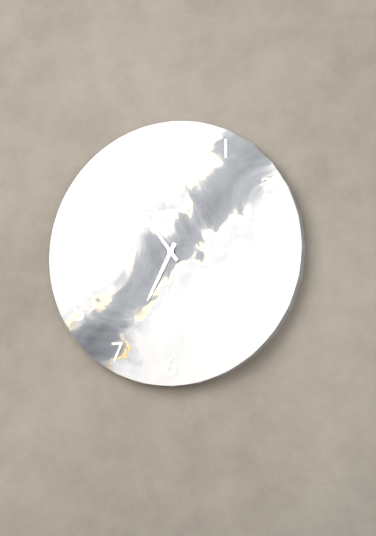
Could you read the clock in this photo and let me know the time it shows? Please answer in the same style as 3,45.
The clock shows 6,54
